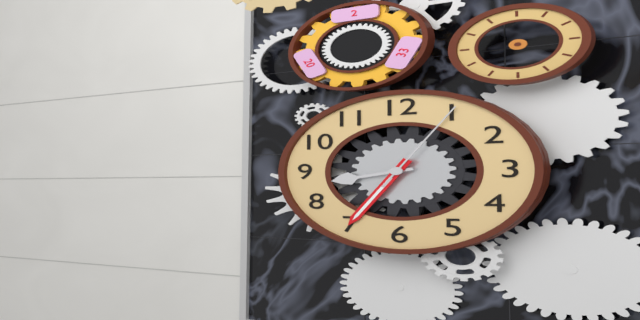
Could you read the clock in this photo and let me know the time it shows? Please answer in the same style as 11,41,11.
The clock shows 8,35,05
